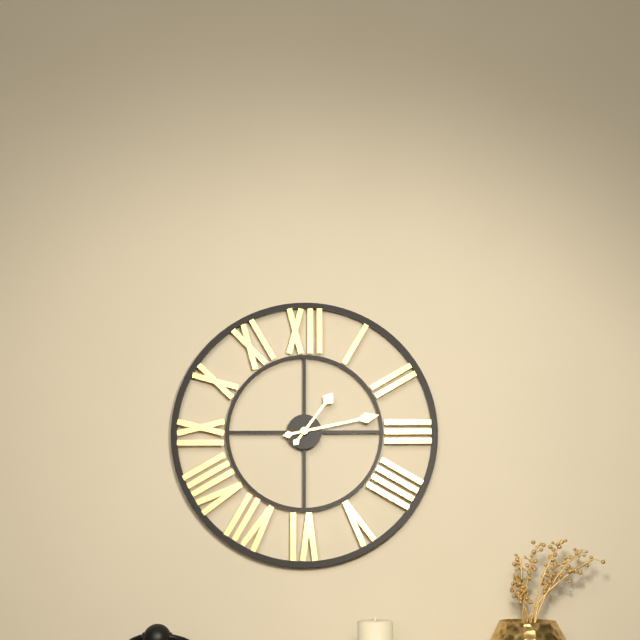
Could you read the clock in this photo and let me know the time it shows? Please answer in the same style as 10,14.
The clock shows 1,13
